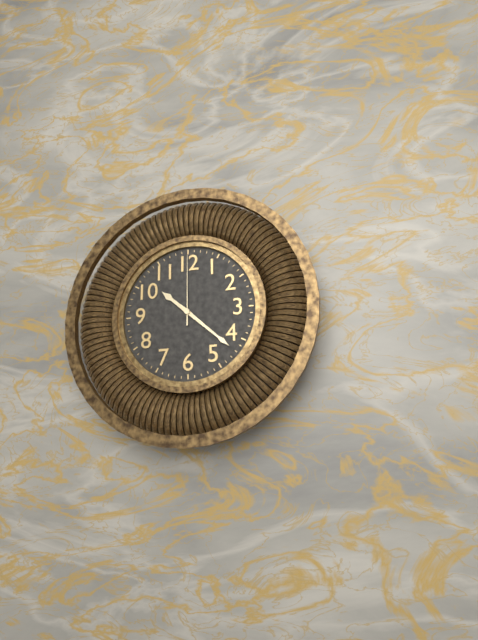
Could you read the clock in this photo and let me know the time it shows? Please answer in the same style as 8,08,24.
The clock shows 10,22,00
